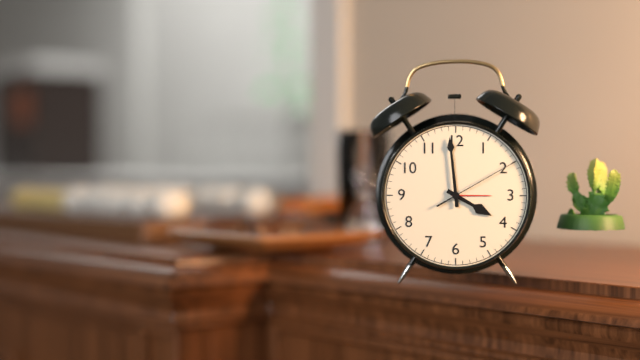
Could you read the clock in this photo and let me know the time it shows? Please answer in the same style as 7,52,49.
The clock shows 3,59,10
